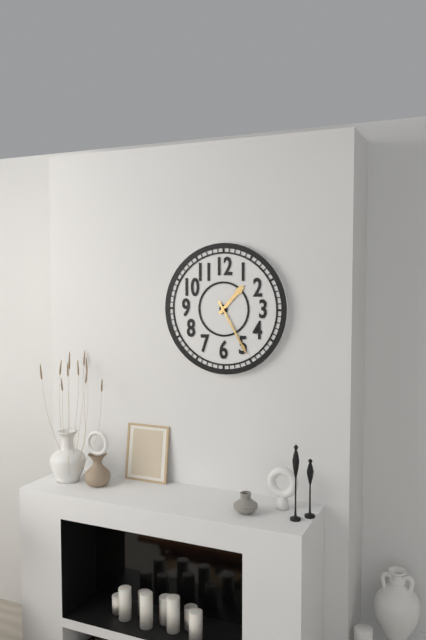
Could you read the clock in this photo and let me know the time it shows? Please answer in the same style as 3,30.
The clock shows 1,25
